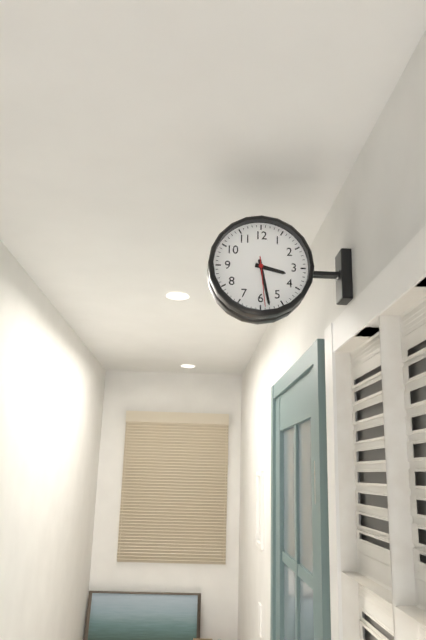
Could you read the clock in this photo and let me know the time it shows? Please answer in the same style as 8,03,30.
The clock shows 3,28,29
